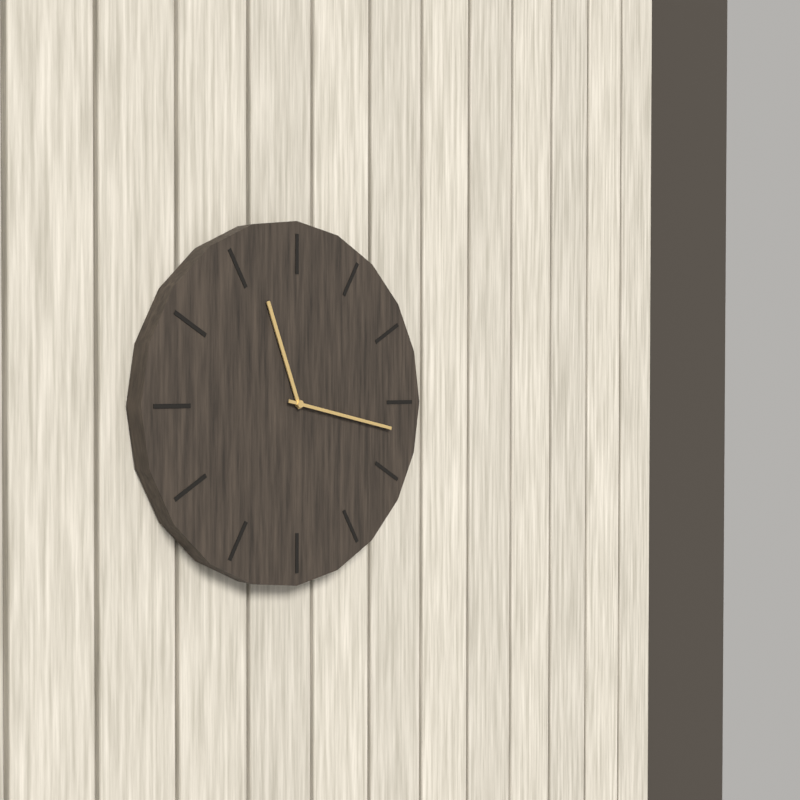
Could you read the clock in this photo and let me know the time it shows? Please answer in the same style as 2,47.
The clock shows 11,17
